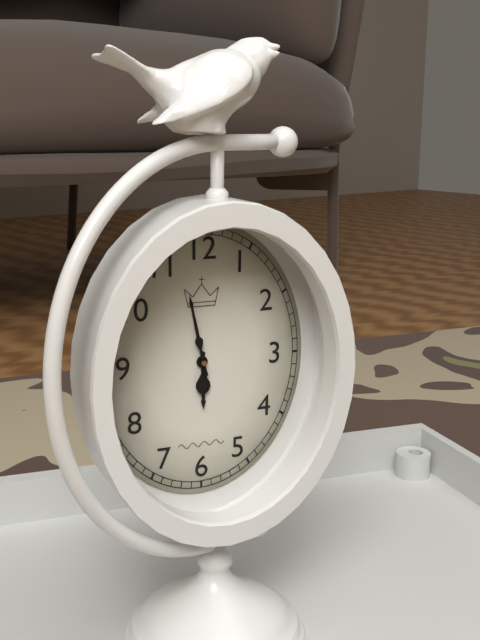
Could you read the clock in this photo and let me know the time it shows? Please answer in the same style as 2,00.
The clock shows 5,58
